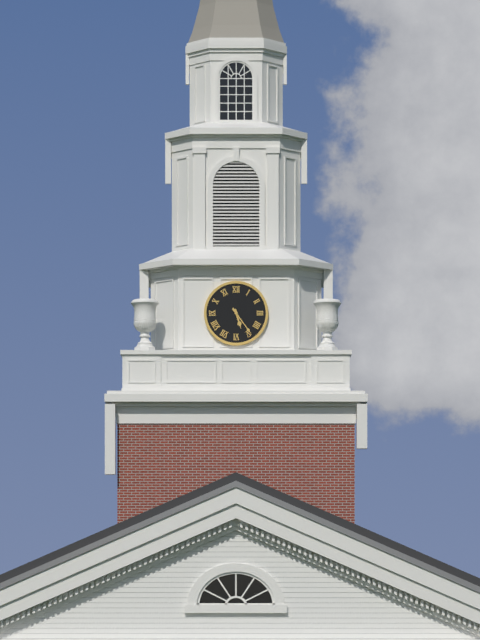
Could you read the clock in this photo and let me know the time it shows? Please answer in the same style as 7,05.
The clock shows 5,24
